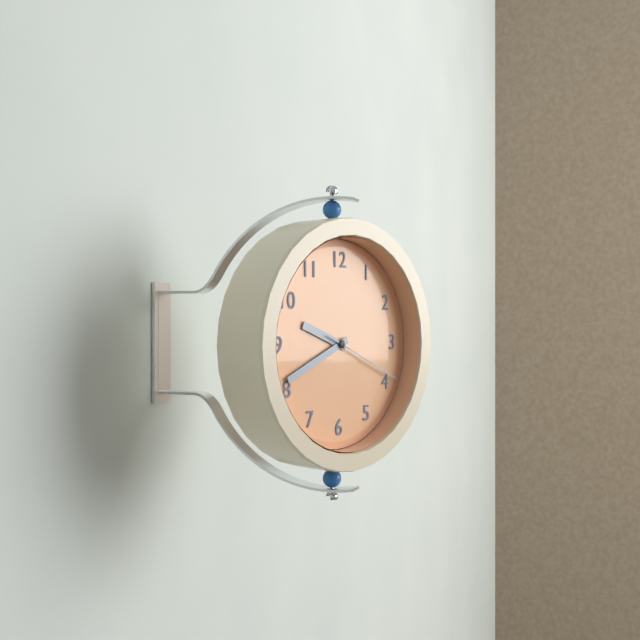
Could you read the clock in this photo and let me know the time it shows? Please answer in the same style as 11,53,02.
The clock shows 9,41,19
